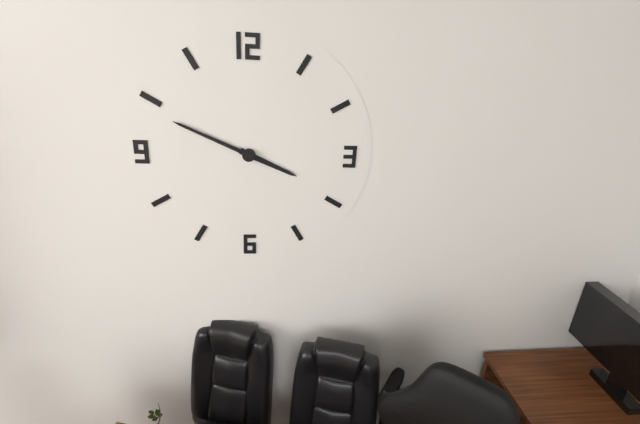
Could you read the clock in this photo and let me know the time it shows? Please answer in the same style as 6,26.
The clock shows 3,49
